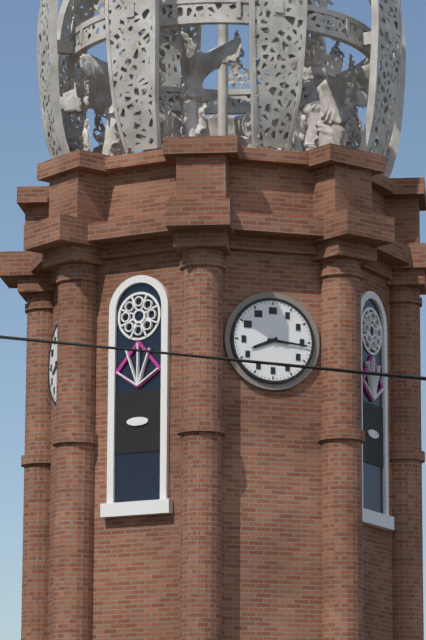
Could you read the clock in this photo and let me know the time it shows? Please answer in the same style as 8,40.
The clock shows 8,16
